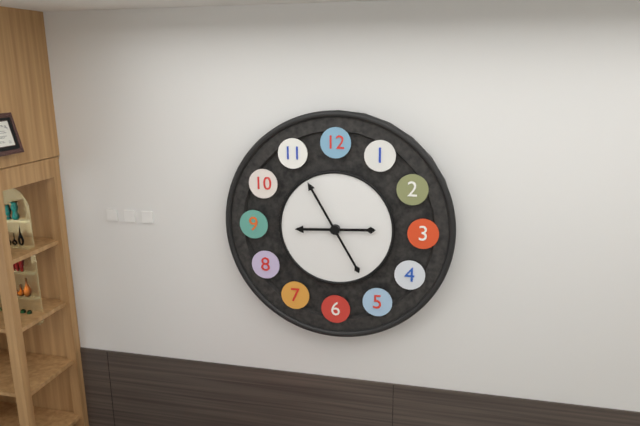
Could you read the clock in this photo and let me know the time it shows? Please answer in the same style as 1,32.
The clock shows 8,55
